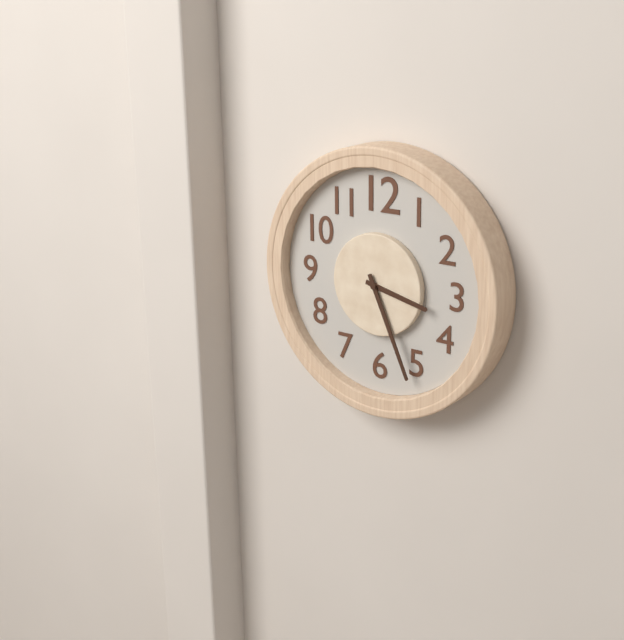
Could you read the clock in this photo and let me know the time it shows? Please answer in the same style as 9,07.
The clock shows 3,26
